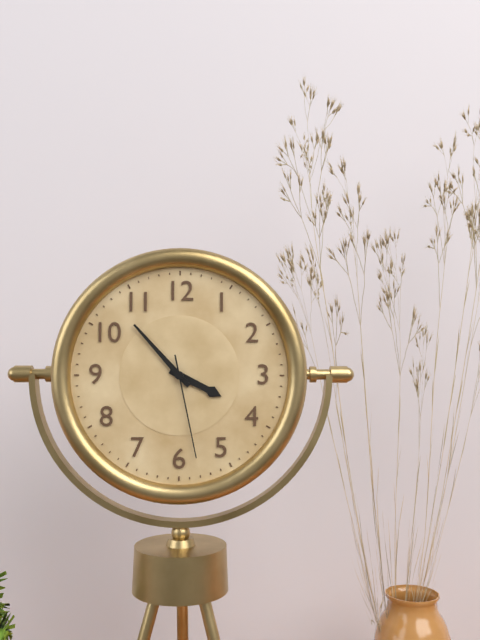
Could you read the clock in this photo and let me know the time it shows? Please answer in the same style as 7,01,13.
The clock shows 3,53,28
